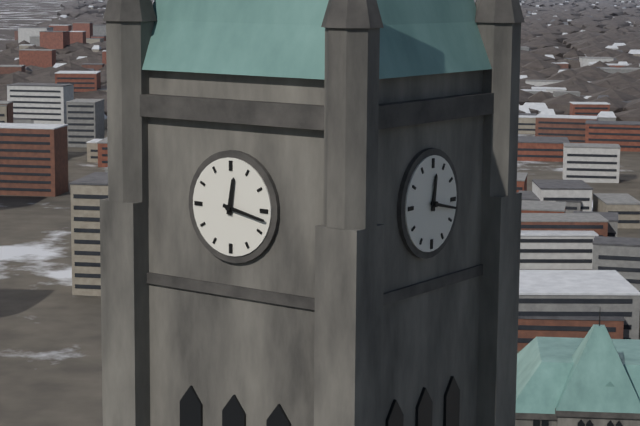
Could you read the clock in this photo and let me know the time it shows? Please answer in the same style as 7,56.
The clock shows 12,17
